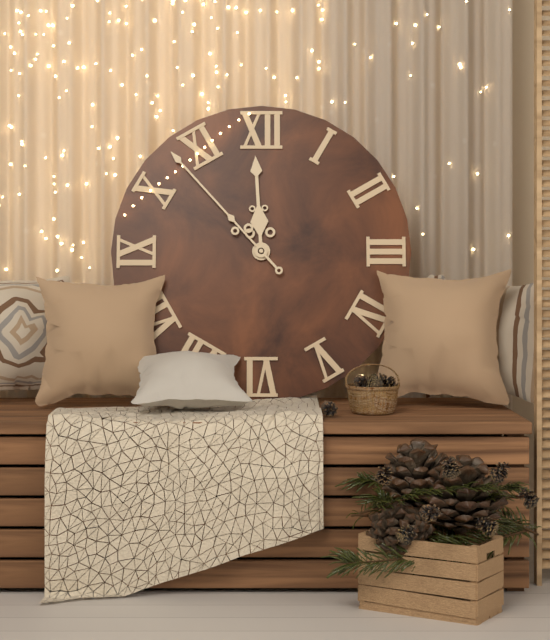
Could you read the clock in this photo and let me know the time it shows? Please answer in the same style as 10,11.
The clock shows 11,53
